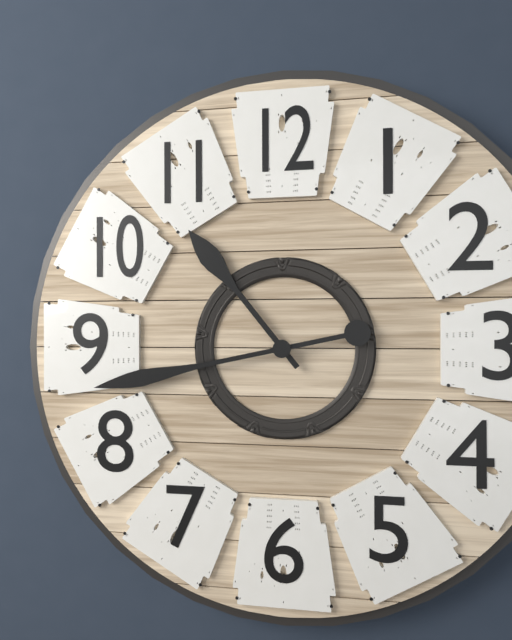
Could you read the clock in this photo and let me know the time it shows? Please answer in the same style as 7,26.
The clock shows 10,43
